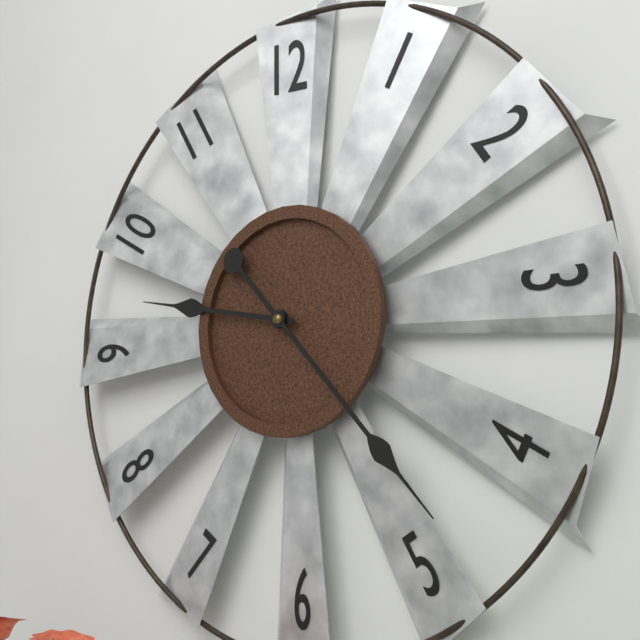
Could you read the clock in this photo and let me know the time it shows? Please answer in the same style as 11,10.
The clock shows 9,23
